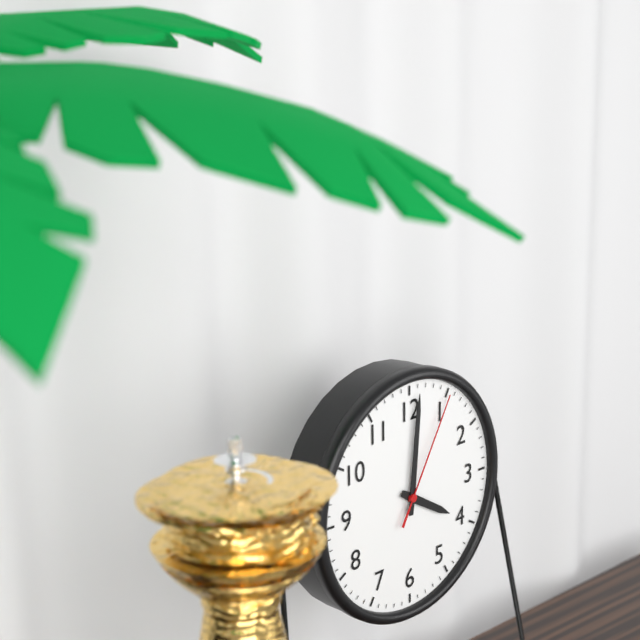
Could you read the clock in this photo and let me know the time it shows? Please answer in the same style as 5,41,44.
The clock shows 4,01,05
